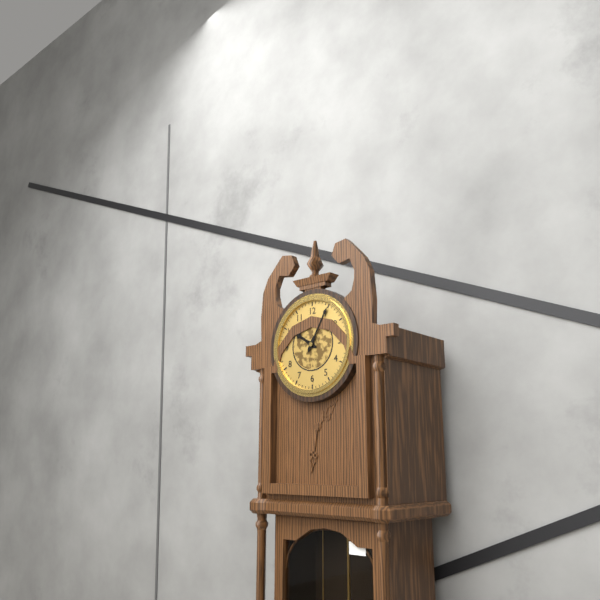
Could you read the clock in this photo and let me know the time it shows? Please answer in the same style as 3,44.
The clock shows 10,05
